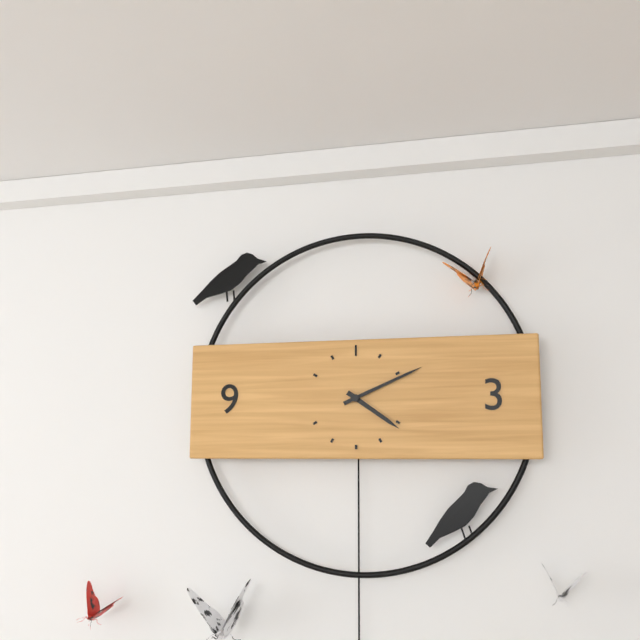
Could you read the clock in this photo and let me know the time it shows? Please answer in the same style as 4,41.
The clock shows 4,11
